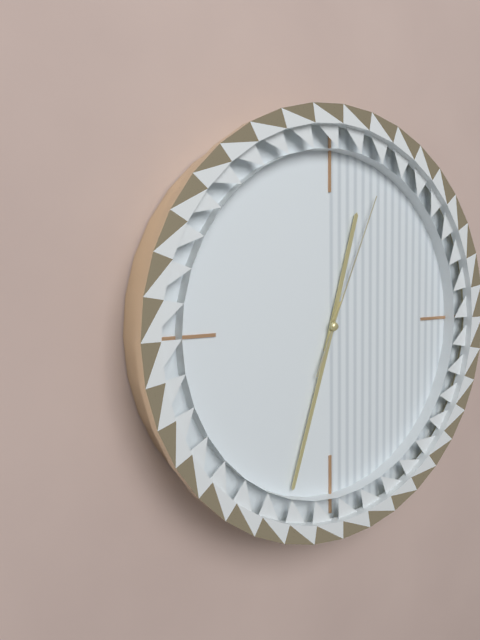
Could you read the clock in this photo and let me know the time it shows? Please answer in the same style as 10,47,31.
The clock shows 12,33,04
